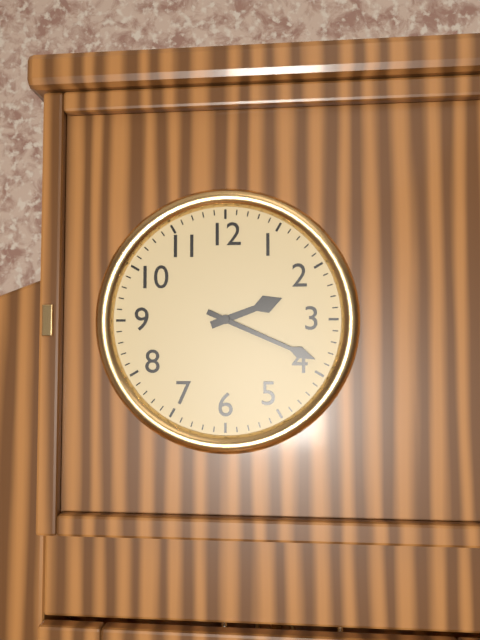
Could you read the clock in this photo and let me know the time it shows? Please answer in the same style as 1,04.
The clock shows 2,19
